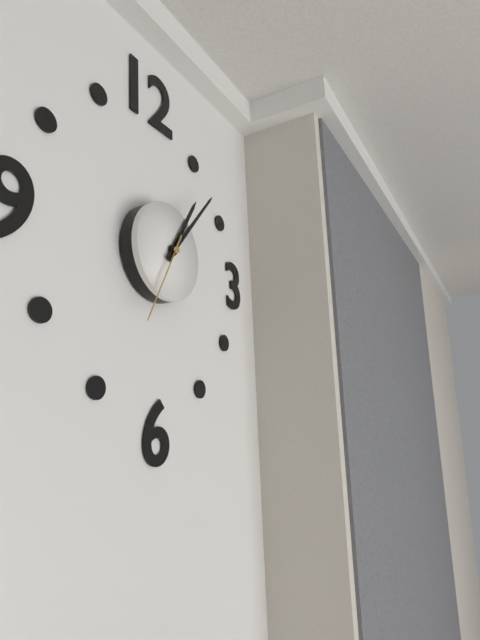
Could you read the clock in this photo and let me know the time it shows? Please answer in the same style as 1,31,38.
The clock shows 1,07,35
